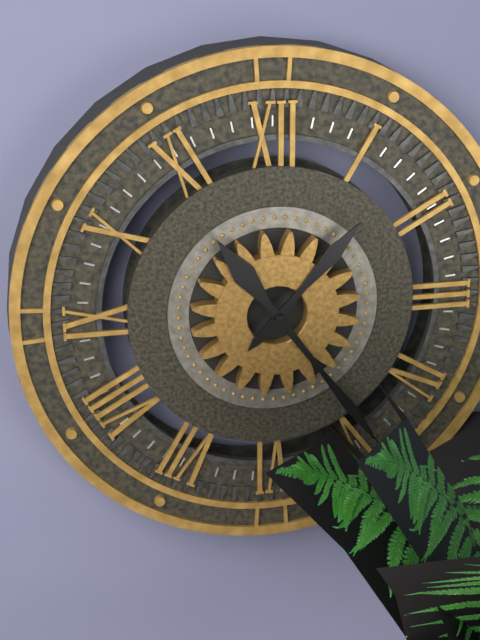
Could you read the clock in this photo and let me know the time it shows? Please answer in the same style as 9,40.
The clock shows 1,24
